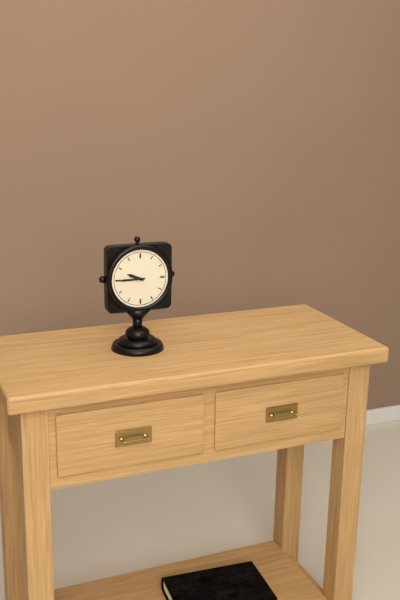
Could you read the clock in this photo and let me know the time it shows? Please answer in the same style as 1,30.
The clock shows 9,45
